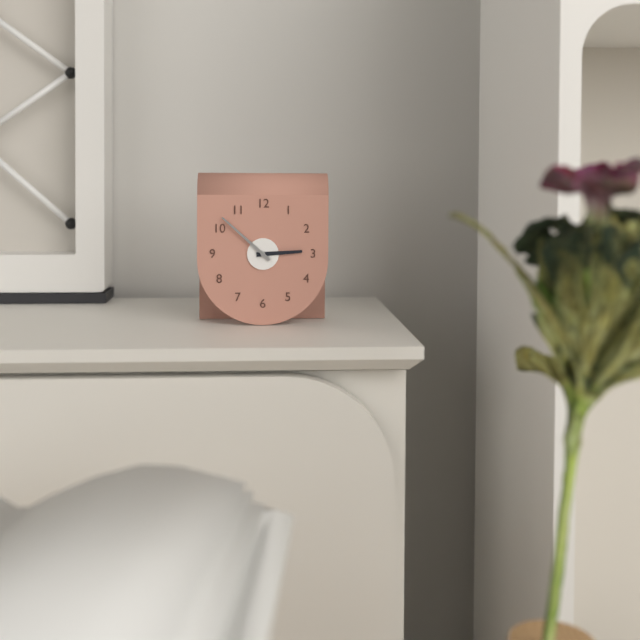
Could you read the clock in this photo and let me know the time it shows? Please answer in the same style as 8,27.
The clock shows 2,52
